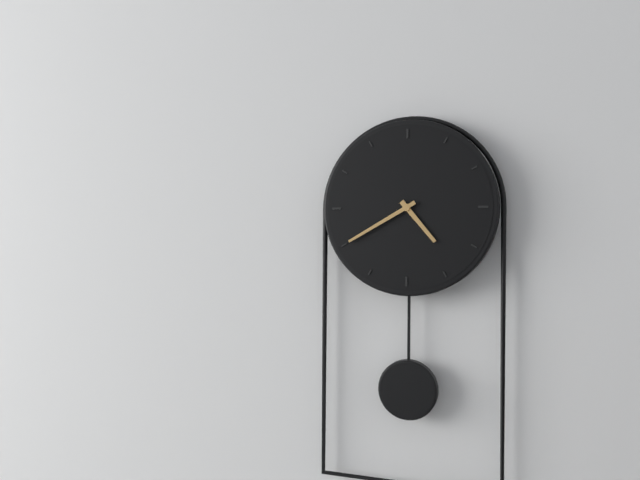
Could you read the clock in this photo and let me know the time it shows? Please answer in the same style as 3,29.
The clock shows 4,40
